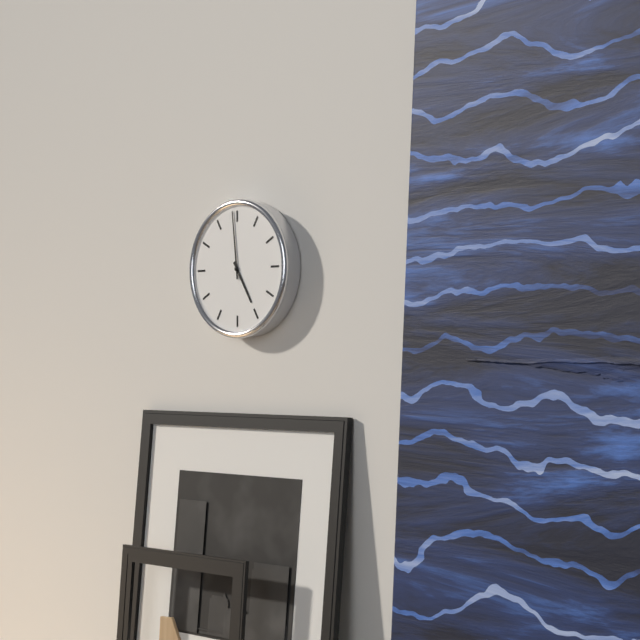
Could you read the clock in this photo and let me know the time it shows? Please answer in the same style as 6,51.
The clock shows 4,59
